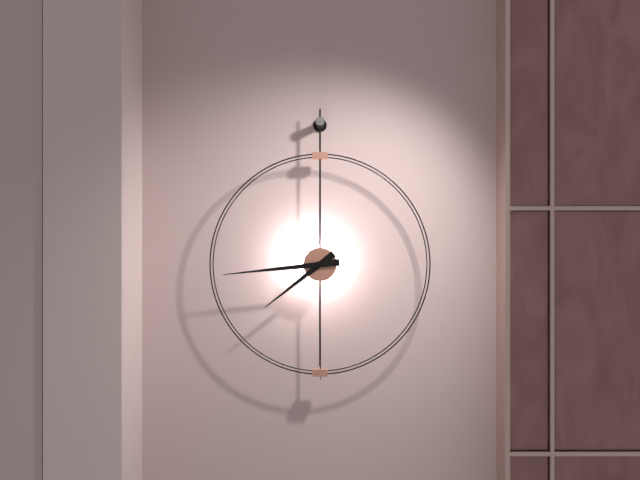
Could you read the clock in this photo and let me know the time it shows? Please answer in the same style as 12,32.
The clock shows 7,44
